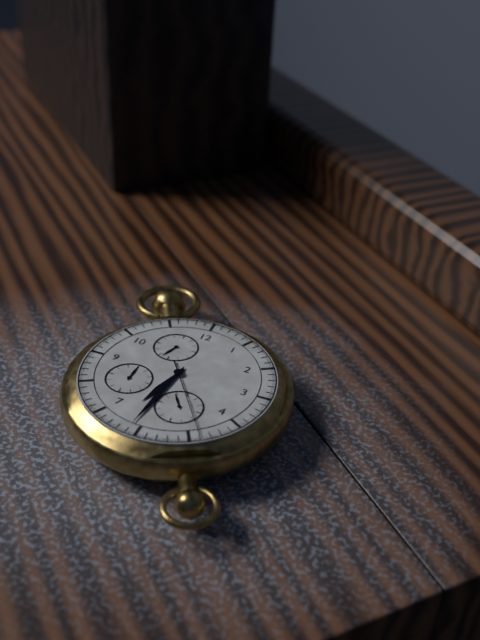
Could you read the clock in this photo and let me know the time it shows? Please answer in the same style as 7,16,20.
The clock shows 6,31,24
